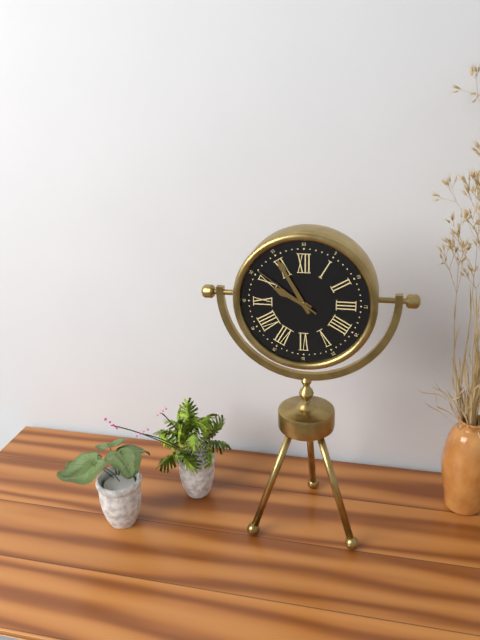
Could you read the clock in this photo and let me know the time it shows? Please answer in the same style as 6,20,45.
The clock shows 9,55,51
